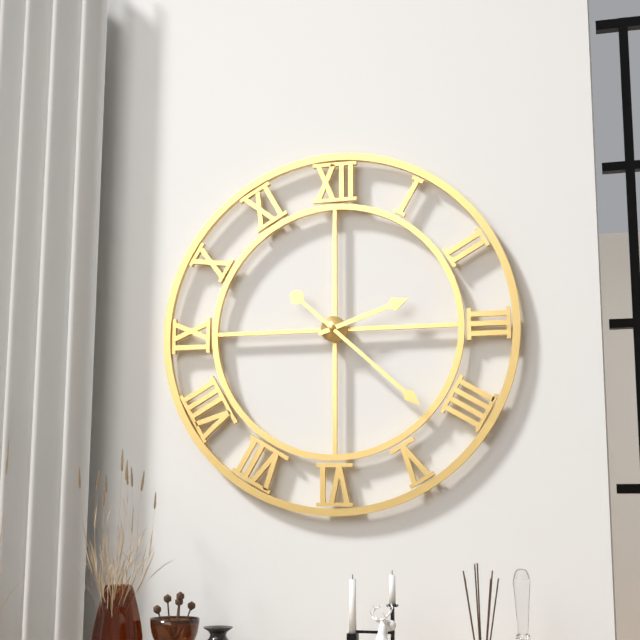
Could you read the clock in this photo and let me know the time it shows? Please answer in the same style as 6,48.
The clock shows 2,22
